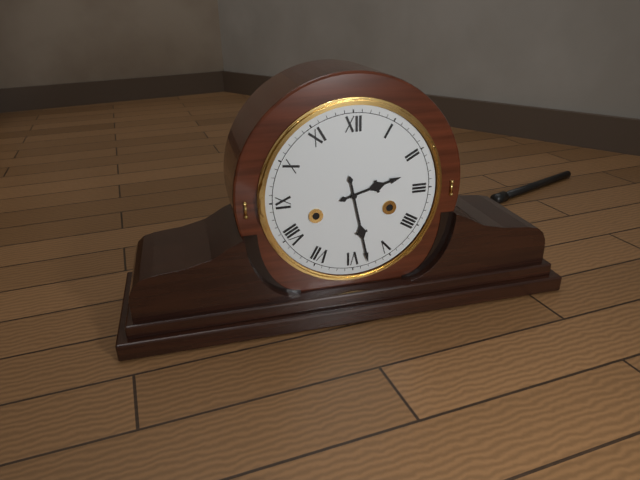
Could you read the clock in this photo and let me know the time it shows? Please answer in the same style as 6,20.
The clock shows 2,28
